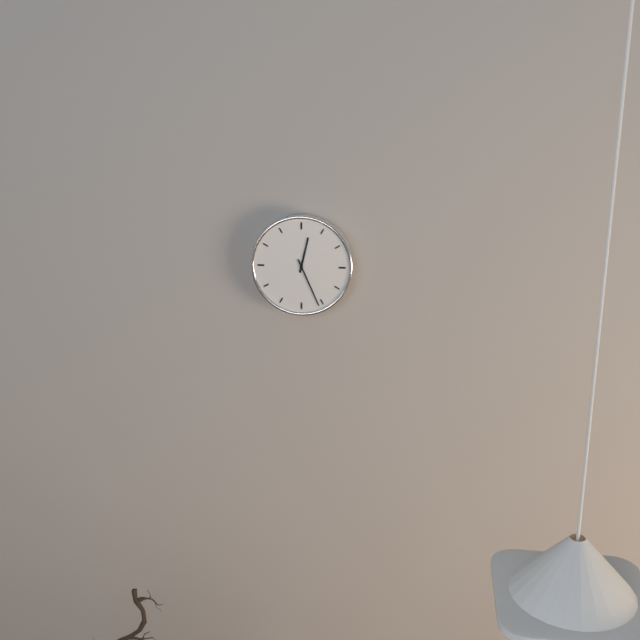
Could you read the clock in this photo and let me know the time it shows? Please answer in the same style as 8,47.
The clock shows 12,26
